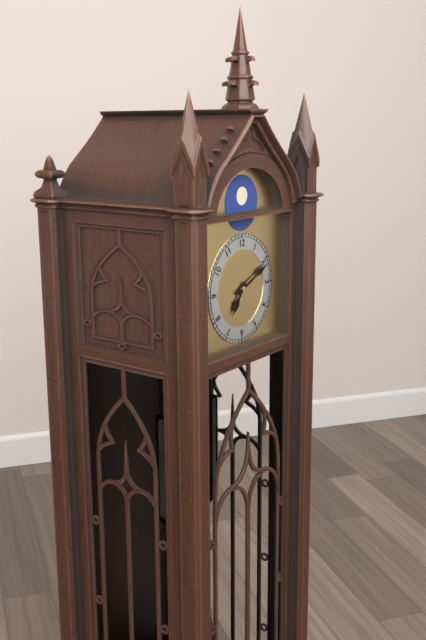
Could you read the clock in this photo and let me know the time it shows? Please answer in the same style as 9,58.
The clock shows 7,11
